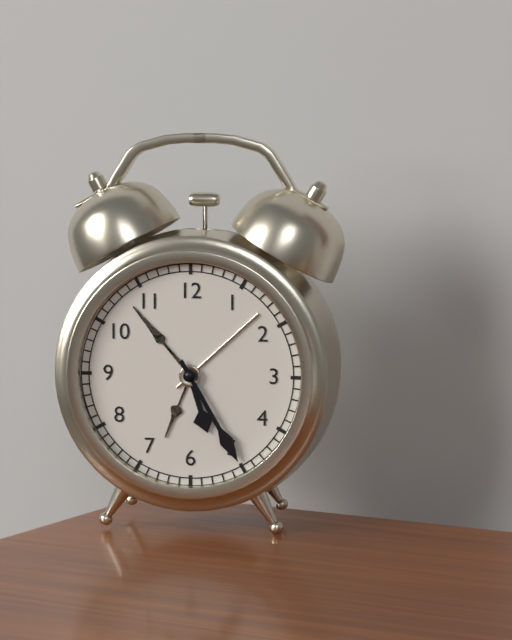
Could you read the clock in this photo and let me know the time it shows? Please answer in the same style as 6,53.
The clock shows 5,25
